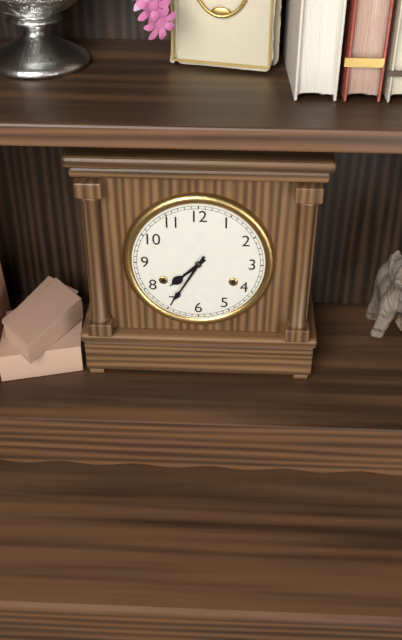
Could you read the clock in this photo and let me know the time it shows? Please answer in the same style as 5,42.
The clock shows 7,35
